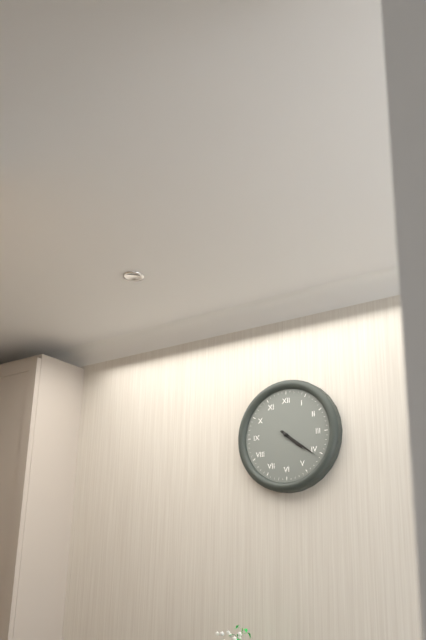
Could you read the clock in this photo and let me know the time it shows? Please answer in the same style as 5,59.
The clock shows 4,21
